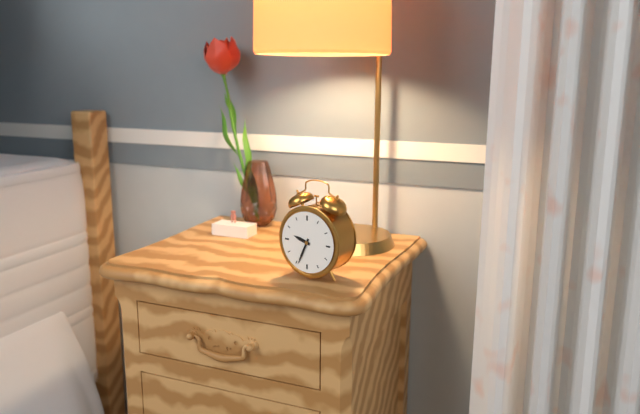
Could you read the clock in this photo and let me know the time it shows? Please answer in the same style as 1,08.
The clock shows 9,34
